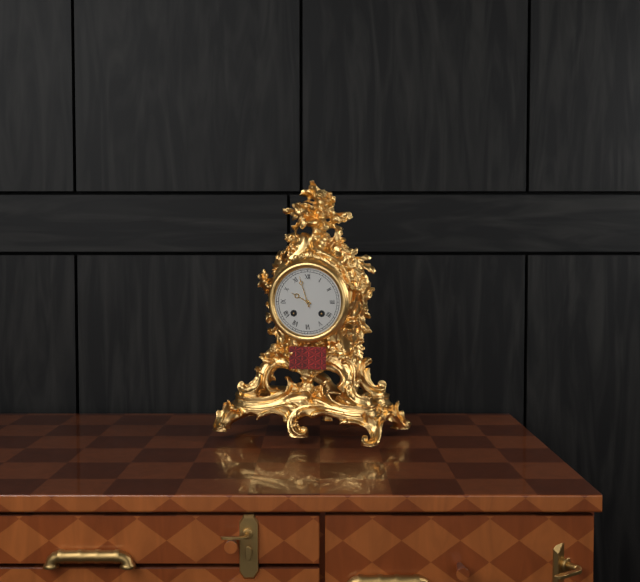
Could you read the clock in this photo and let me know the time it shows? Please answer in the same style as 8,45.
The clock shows 9,57
